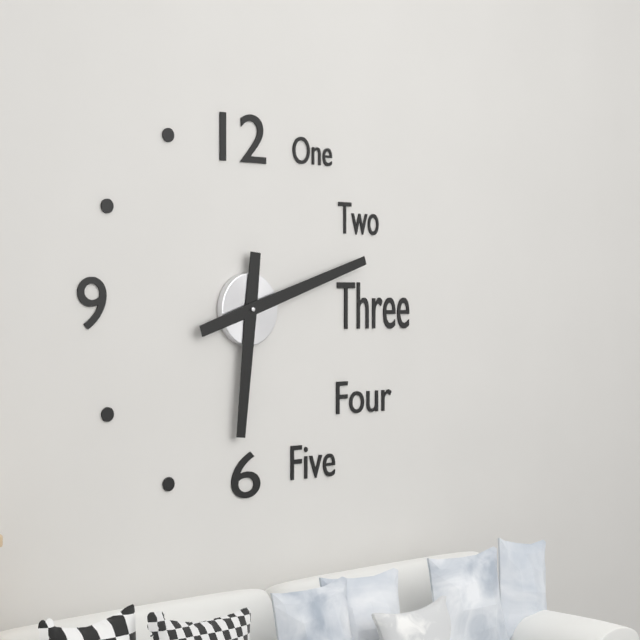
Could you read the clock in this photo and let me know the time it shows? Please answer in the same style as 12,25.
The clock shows 6,12
